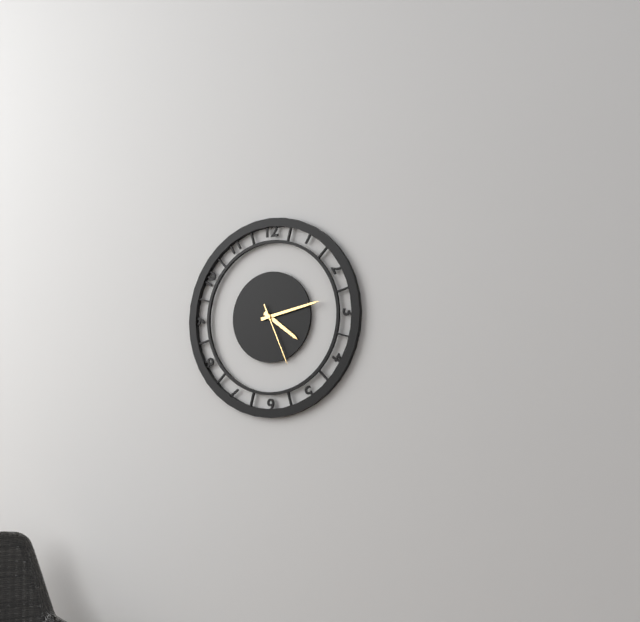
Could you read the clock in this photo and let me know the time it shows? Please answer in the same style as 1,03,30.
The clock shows 4,13,26
